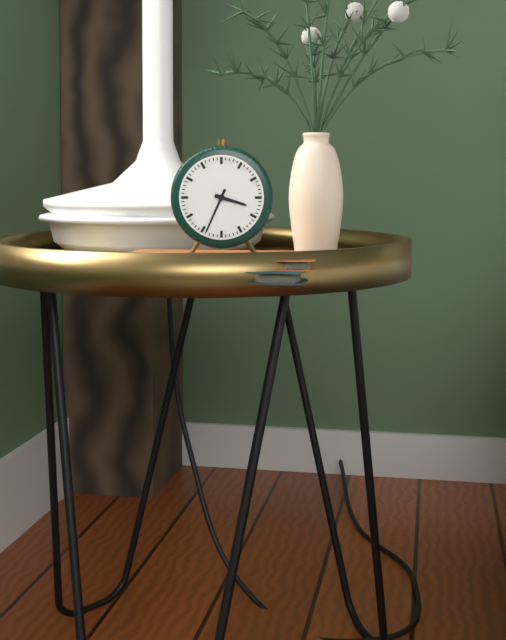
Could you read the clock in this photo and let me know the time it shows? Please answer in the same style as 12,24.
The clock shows 3,34
